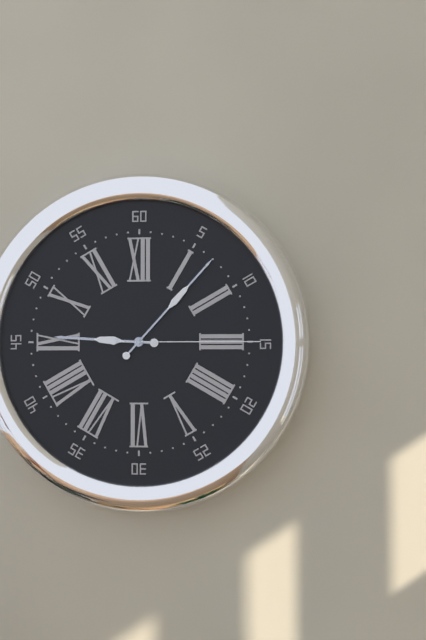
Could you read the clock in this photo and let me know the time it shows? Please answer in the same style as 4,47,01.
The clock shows 9,07,15
